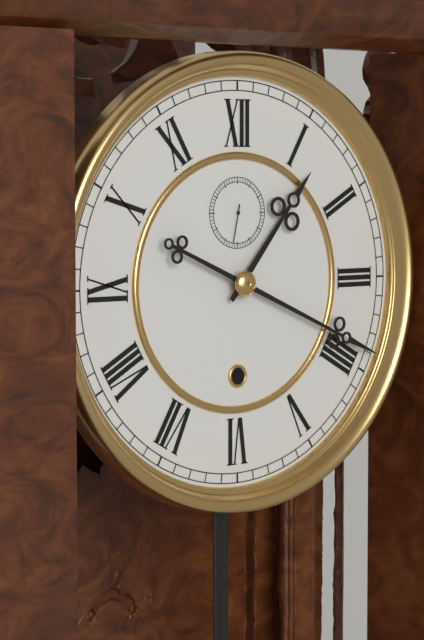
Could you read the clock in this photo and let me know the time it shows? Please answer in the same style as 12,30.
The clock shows 1,19
